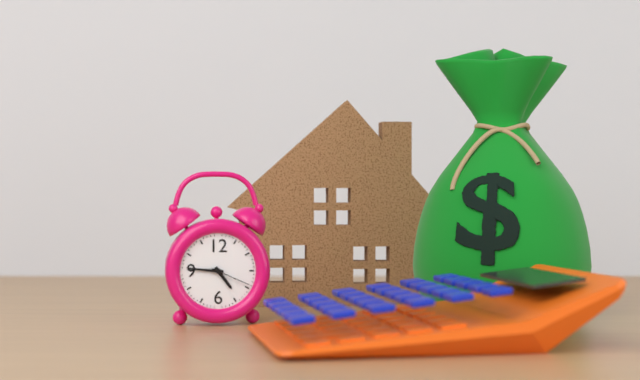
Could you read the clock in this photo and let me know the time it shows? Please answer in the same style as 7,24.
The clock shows 4,46
